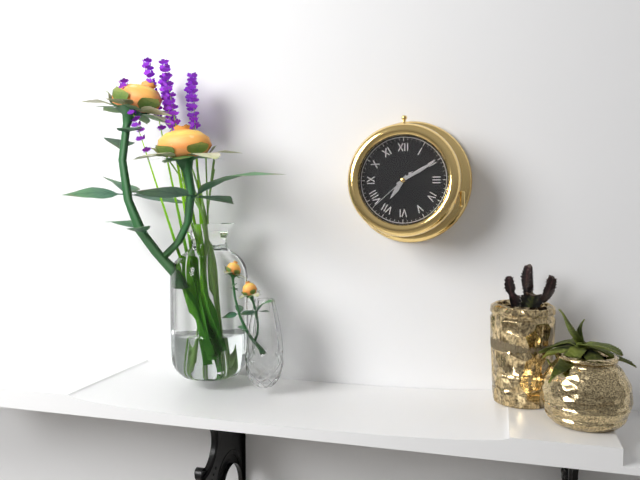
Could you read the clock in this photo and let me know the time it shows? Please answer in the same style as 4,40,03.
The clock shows 7,10,38
